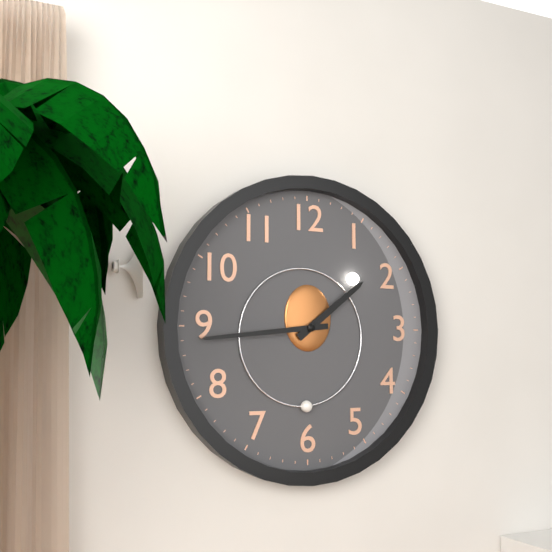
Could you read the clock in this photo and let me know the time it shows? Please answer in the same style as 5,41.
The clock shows 1,44
